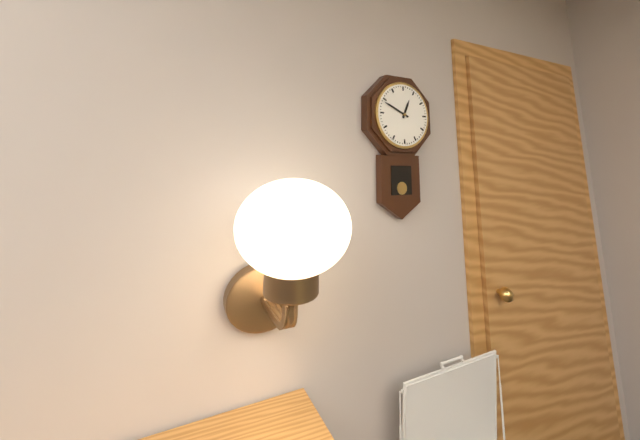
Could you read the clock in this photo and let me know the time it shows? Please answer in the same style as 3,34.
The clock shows 12,49
